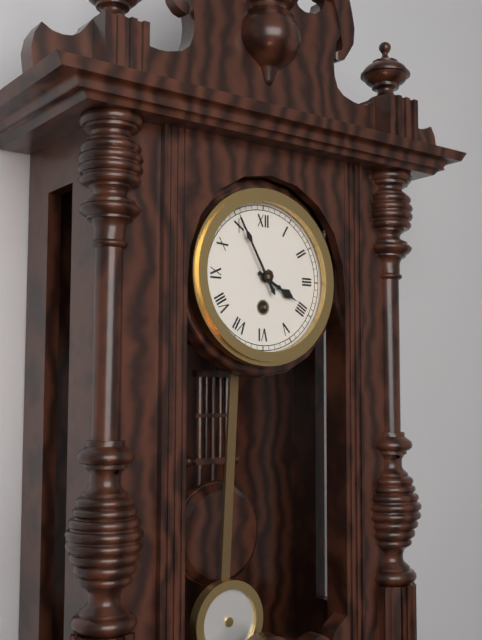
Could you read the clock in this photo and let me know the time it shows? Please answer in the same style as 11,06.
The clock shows 3,55
